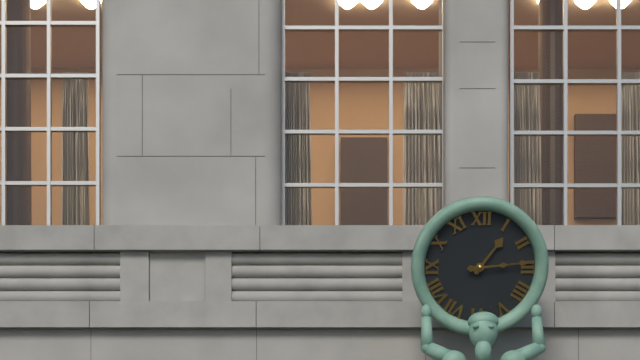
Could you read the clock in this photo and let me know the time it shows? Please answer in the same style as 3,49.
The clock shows 1,14
